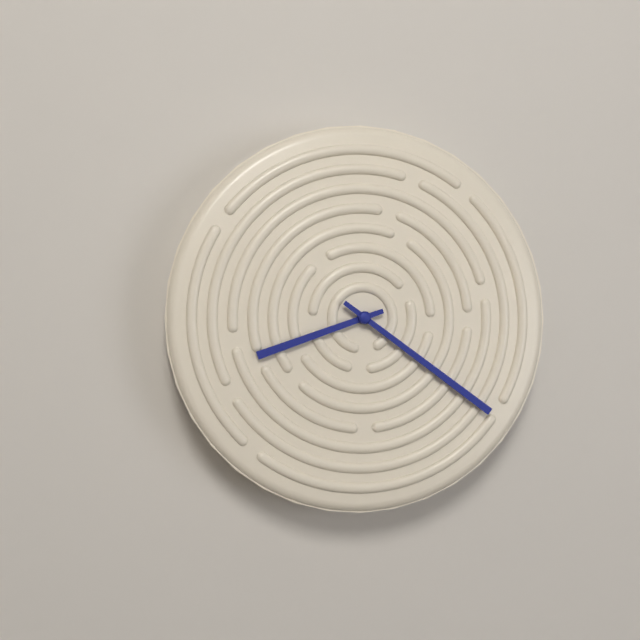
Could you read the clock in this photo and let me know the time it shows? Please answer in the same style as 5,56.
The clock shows 8,21
